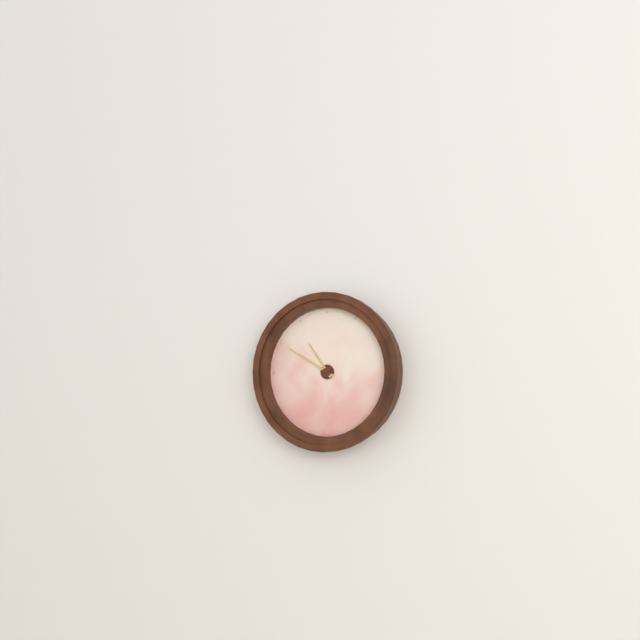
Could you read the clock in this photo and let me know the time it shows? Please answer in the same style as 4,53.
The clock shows 10,50
